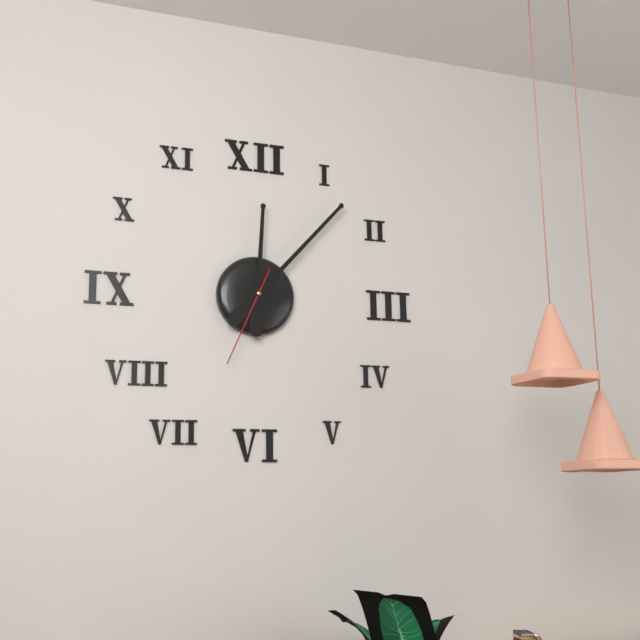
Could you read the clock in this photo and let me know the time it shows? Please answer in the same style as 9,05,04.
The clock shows 12,07,34
